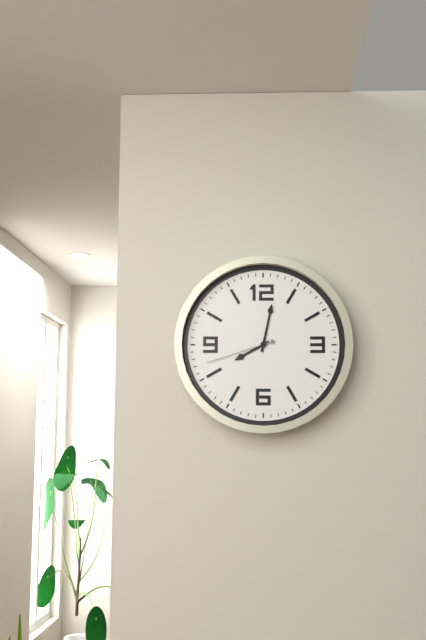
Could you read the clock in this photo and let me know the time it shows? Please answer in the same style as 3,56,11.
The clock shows 8,02,42
